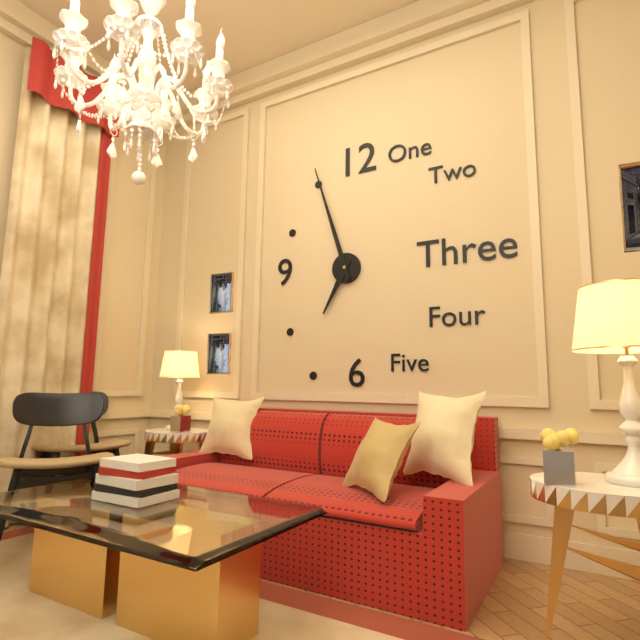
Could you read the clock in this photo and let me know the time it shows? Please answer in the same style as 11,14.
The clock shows 6,57
